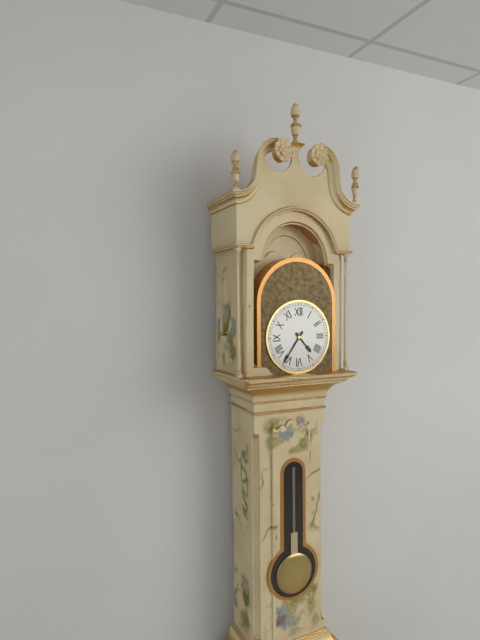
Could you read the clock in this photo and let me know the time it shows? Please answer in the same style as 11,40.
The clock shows 4,36
